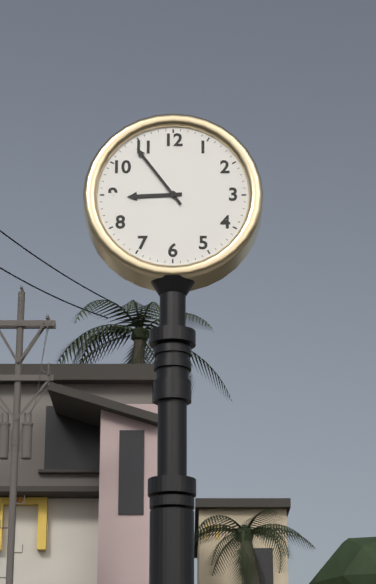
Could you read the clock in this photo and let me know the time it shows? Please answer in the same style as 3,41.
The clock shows 8,54
